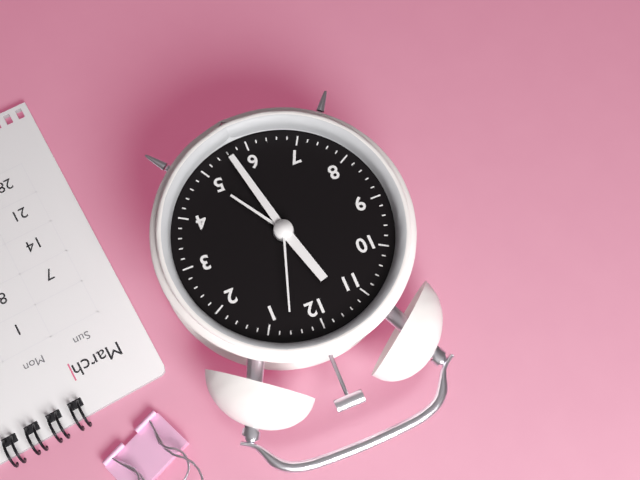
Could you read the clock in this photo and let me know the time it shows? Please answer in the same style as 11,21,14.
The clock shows 11,28,03
